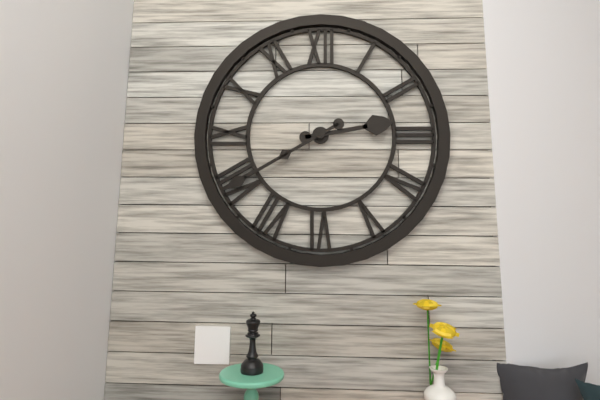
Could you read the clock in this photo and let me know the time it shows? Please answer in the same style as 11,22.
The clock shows 2,40
